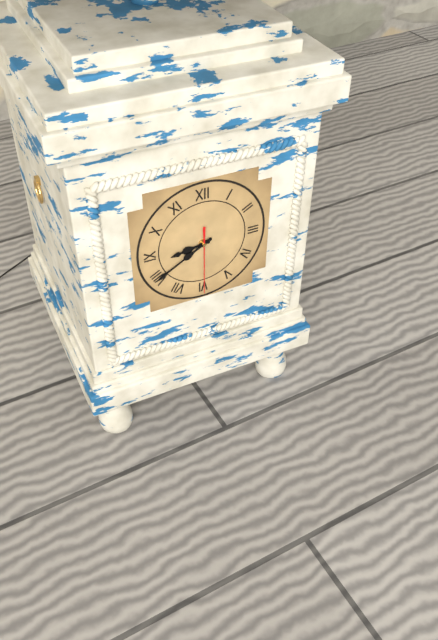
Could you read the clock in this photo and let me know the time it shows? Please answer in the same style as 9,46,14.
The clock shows 8,40,30
